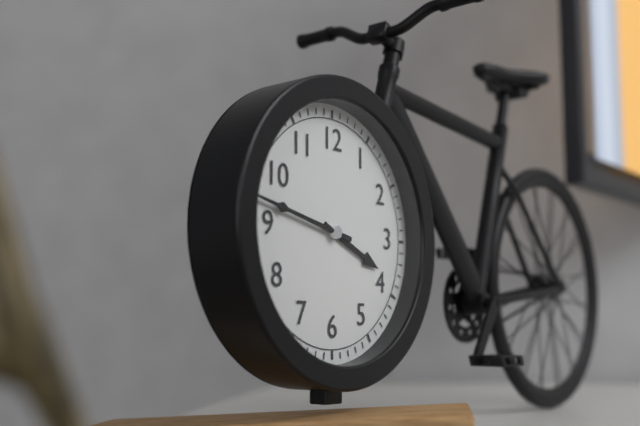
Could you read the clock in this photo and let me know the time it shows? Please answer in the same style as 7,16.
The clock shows 3,47
